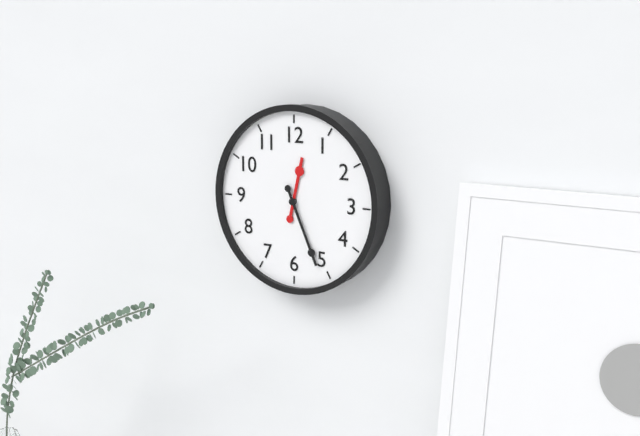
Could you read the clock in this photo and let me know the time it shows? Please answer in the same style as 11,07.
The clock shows 12,26
